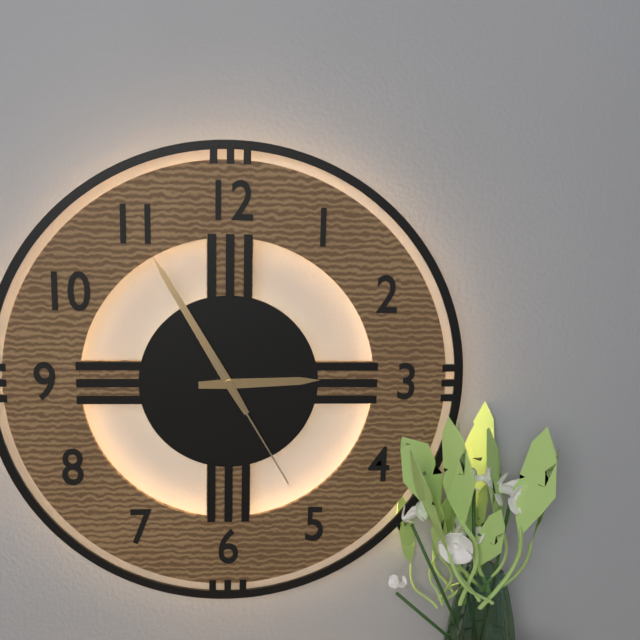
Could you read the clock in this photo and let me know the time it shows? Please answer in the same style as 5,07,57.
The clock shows 2,55,25
